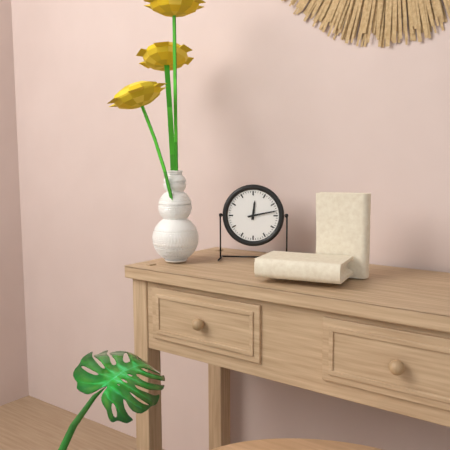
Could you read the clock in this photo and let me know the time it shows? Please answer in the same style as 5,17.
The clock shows 12,13
